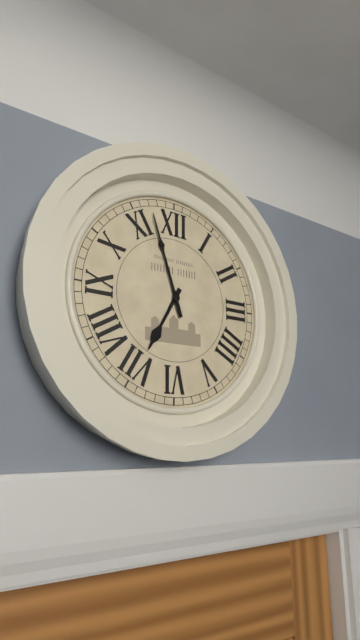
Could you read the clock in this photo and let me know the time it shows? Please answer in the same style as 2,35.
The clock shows 6,57
